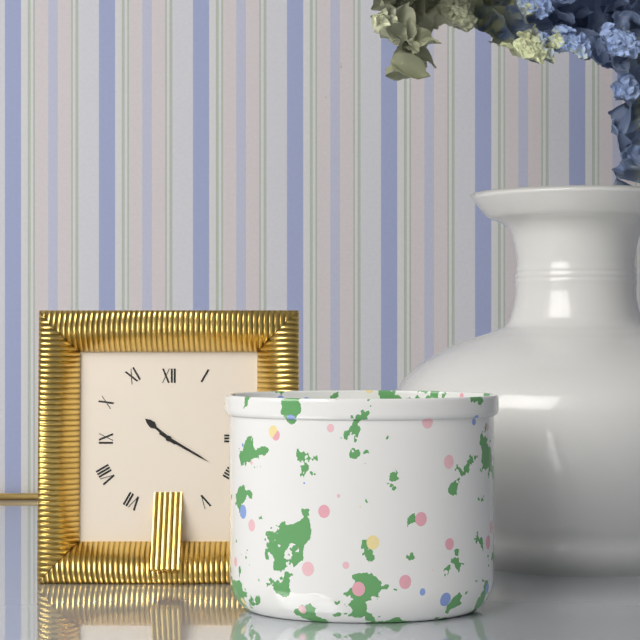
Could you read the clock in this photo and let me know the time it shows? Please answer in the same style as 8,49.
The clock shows 10,20
